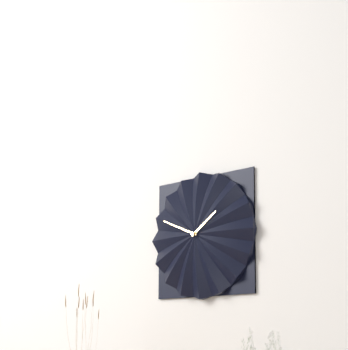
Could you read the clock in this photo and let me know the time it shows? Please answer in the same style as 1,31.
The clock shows 1,49
